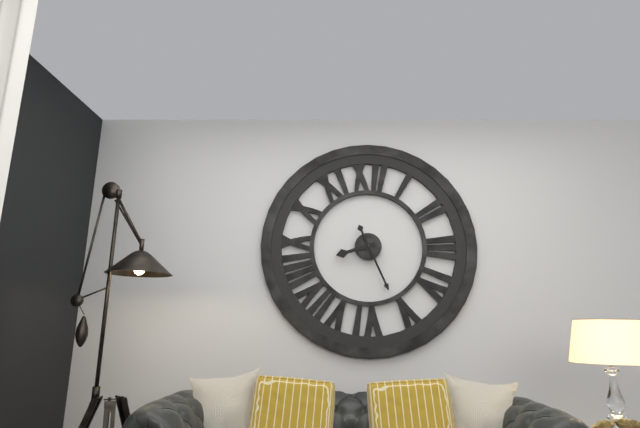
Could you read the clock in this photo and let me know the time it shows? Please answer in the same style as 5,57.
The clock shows 8,26
